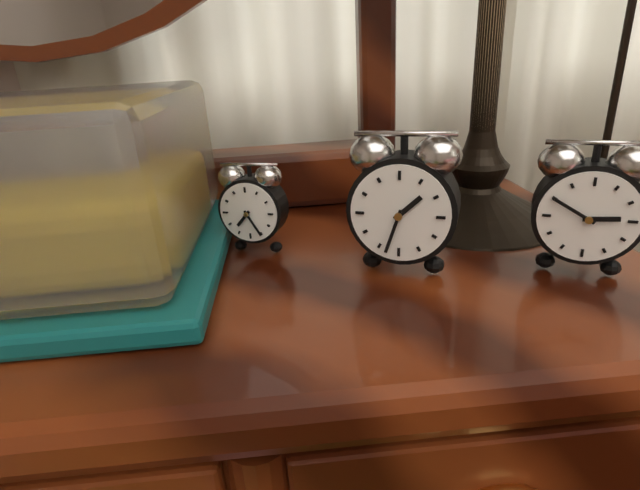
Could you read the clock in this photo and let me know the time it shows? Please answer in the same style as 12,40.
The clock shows 1,33
